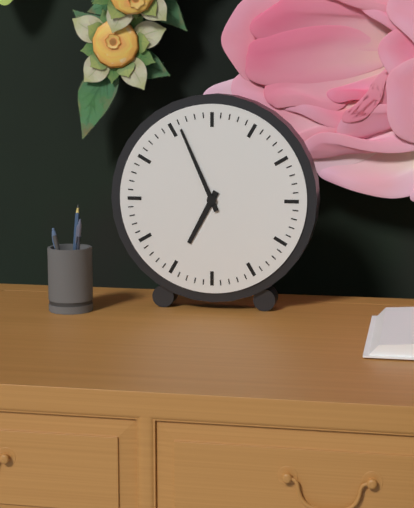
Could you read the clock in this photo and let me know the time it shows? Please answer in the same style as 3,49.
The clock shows 6,56
